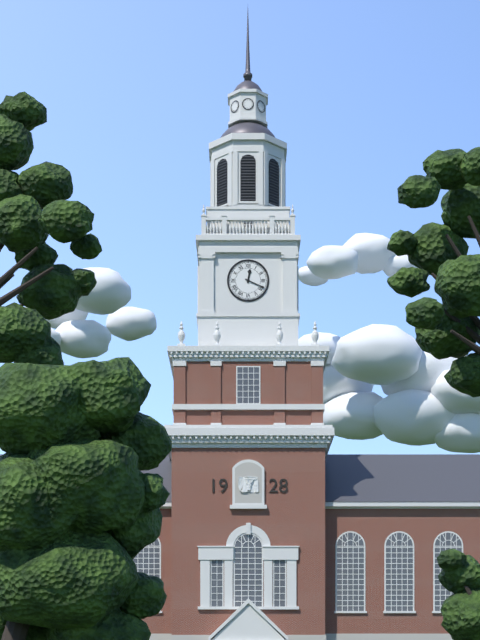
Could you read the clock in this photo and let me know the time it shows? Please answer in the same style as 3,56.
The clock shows 12,19
